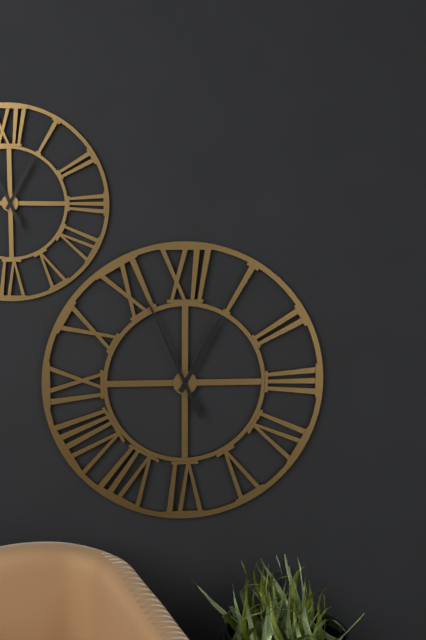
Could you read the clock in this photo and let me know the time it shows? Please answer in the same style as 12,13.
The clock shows 12,56
